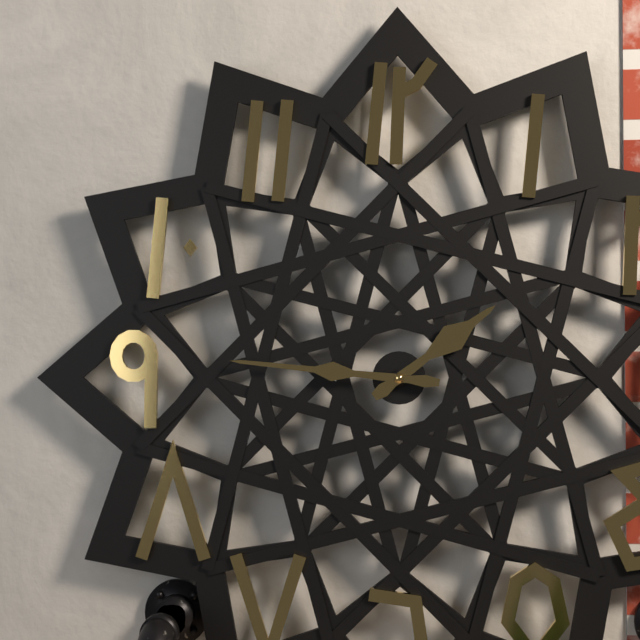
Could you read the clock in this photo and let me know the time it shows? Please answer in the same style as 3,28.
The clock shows 1,46
